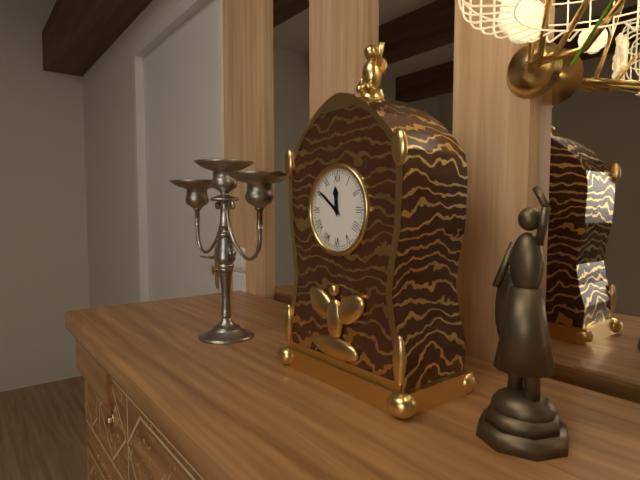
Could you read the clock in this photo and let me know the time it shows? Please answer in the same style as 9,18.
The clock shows 11,51
